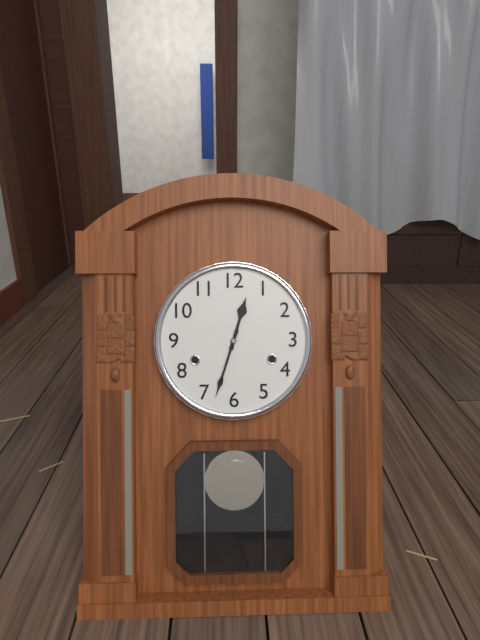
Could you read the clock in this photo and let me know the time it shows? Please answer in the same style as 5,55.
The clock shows 12,33
